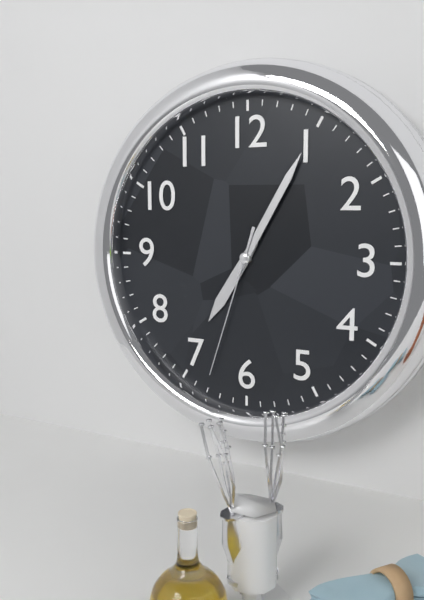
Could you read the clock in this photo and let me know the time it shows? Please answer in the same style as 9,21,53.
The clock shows 7,05,33
